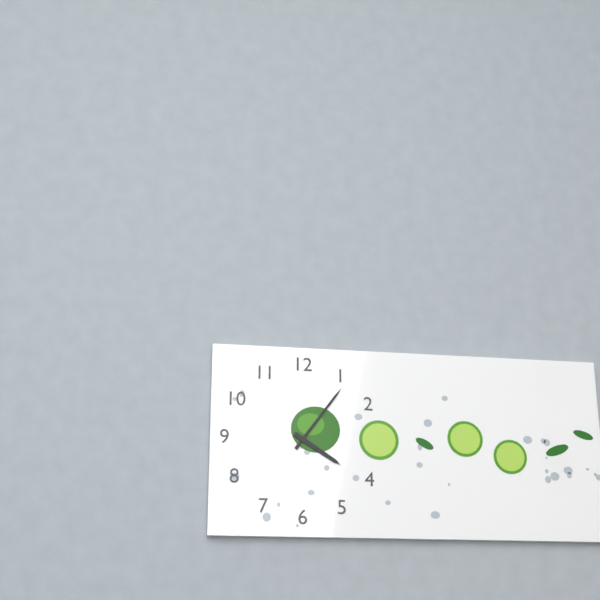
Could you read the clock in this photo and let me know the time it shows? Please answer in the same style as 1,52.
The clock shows 4,06
